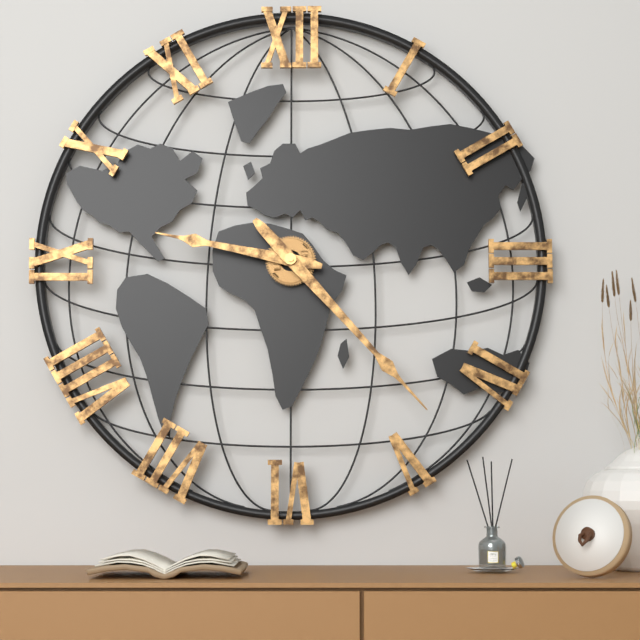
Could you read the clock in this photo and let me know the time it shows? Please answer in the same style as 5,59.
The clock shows 9,23
